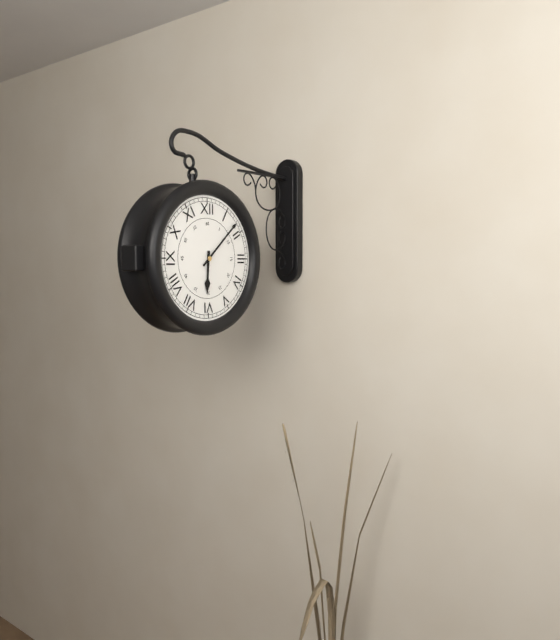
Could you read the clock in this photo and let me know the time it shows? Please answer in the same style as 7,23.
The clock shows 6,08
